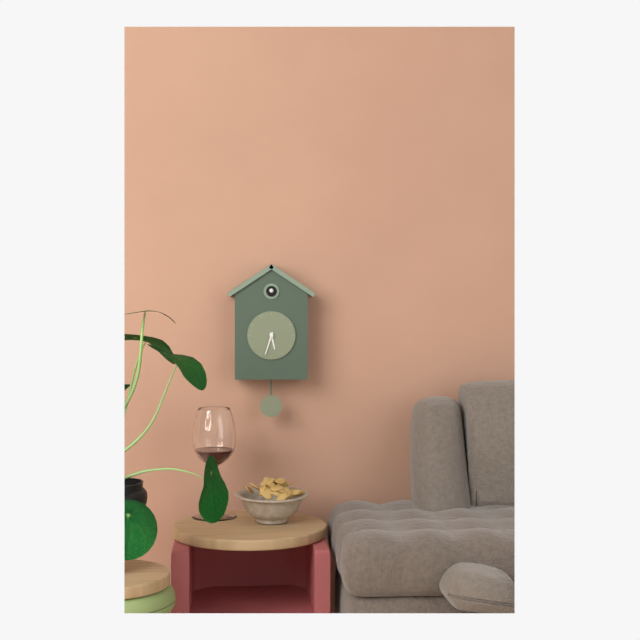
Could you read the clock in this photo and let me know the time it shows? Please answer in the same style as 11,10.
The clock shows 5,33
